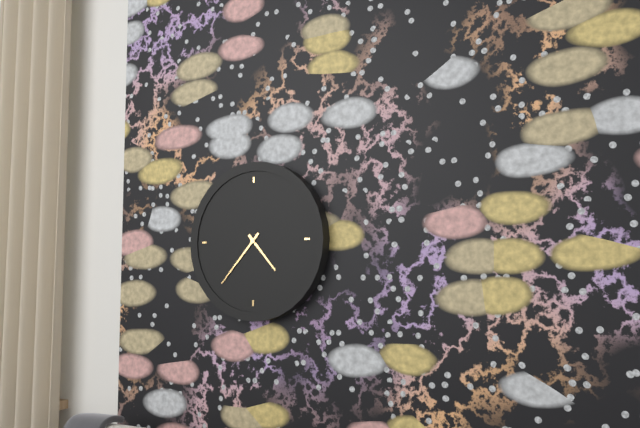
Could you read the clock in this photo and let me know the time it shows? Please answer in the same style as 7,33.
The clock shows 4,37
